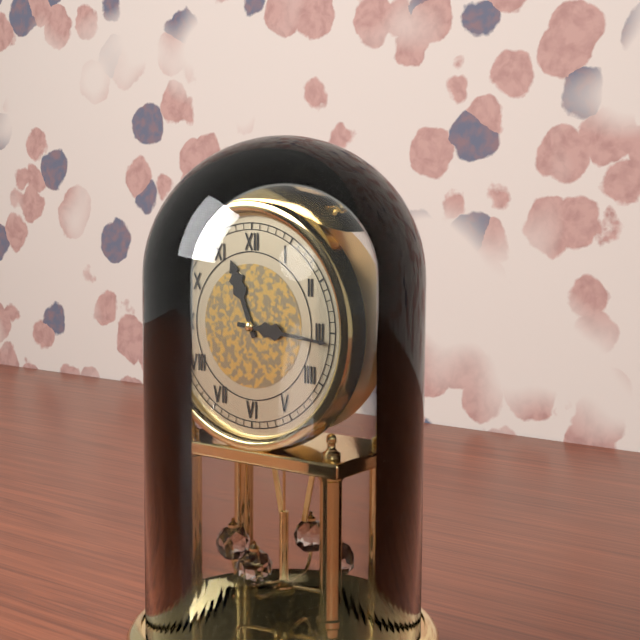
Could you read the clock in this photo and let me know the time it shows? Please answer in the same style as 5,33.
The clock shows 11,16
